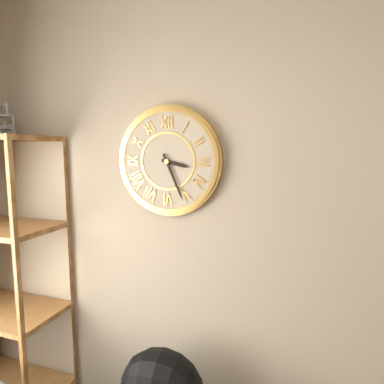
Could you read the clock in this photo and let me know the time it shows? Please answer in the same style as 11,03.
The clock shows 3,26
